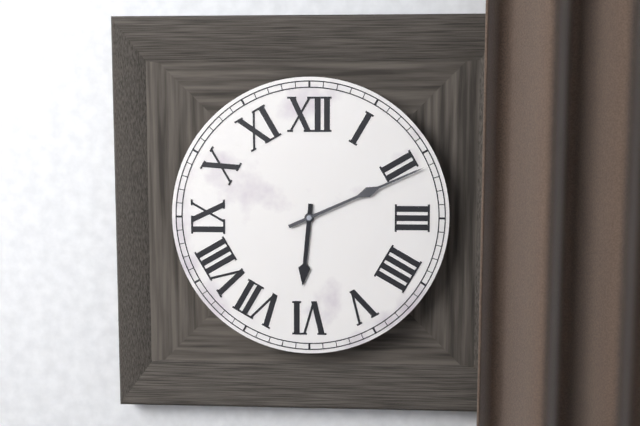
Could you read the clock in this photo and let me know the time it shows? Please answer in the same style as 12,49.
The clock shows 6,11
